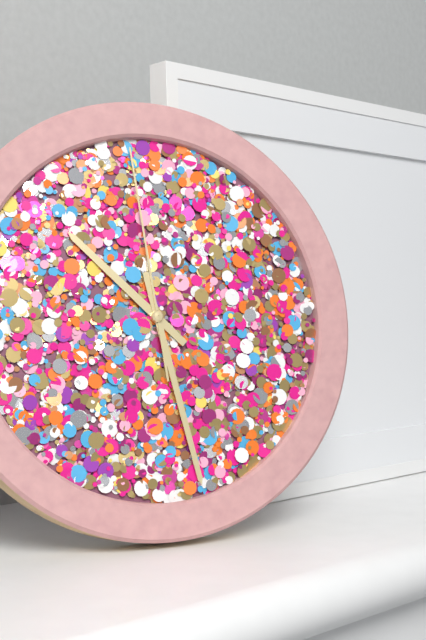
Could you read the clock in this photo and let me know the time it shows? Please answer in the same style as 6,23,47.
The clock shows 10,28,59
